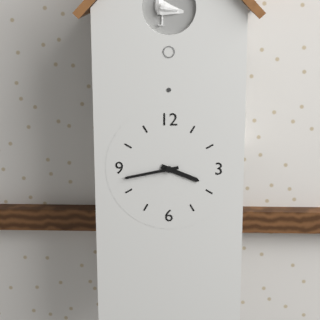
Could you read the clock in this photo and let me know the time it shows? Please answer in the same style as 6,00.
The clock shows 3,43
